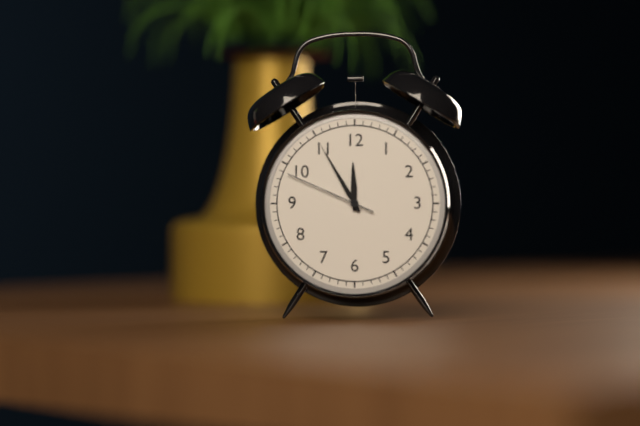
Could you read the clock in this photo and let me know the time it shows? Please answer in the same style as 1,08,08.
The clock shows 11,55,49
